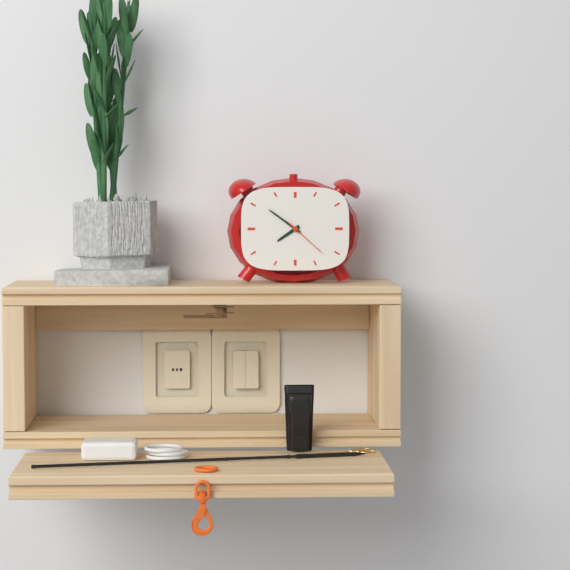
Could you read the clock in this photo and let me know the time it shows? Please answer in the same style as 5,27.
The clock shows 7,51
